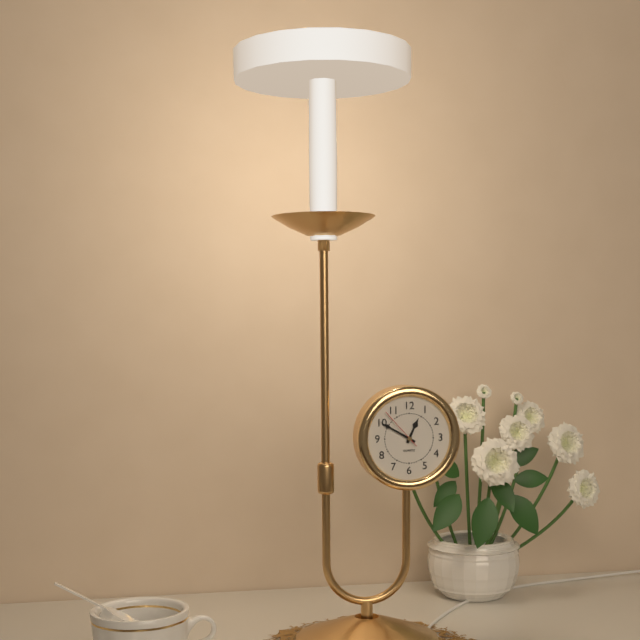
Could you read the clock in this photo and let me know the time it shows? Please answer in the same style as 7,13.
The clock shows 12,50
